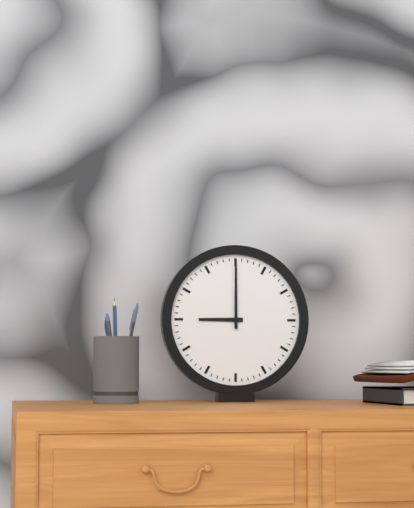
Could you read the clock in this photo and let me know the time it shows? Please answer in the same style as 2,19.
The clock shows 9,00
